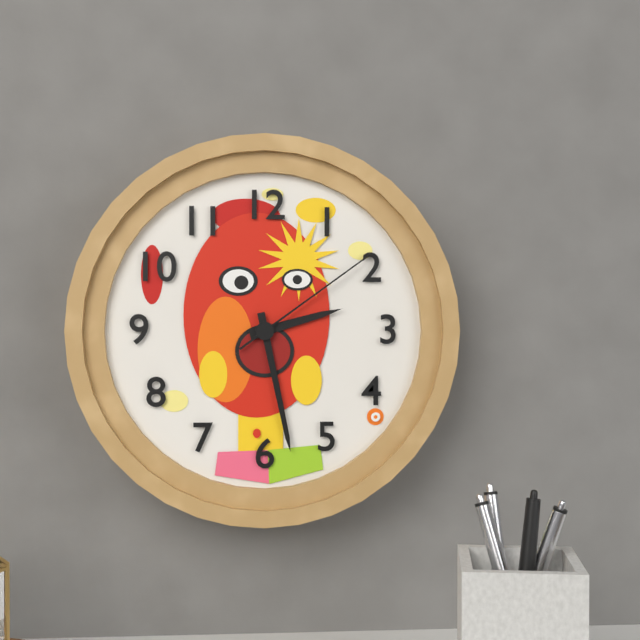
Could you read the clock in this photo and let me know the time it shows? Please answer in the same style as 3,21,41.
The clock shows 2,28,09
